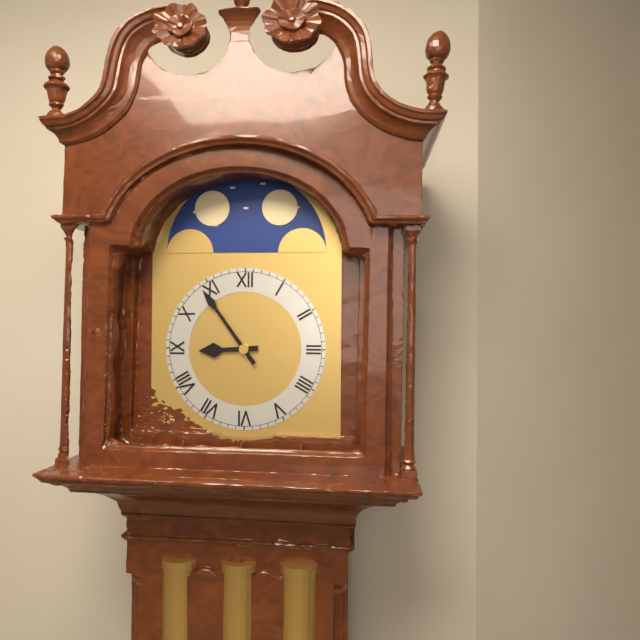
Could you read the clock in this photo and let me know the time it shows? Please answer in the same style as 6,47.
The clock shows 8,54
